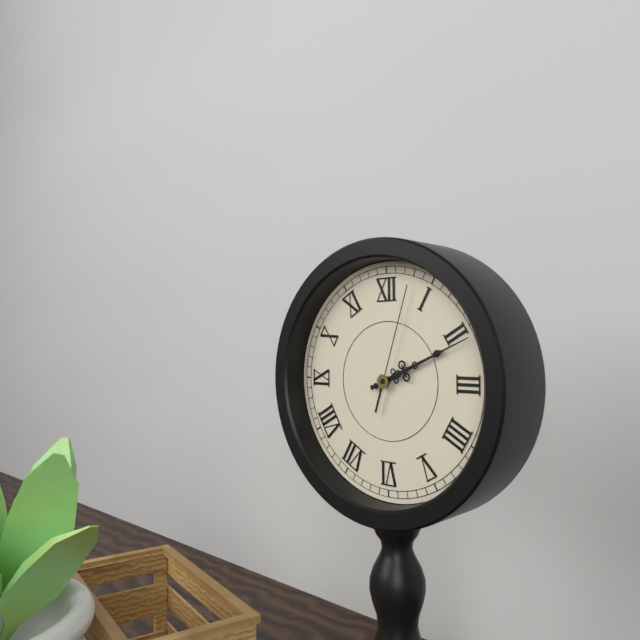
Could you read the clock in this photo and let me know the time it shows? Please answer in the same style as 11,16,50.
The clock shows 2,11,03
